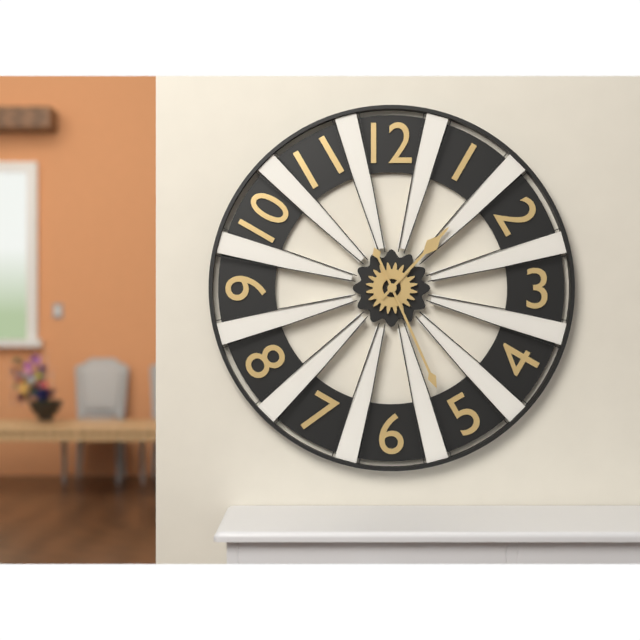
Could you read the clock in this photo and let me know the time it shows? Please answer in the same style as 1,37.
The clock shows 1,26
